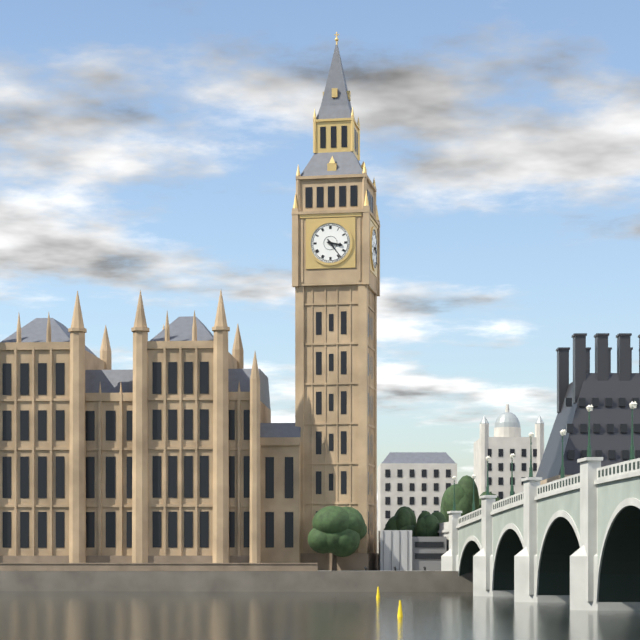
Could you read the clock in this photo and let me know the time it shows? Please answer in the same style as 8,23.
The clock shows 3,24
